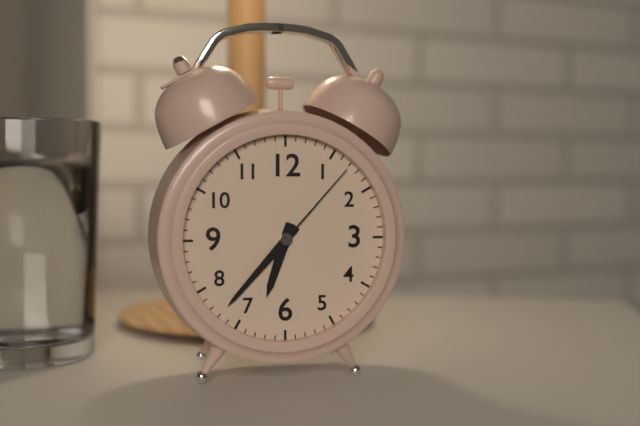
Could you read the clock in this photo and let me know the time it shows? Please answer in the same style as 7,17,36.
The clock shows 6,37,07
